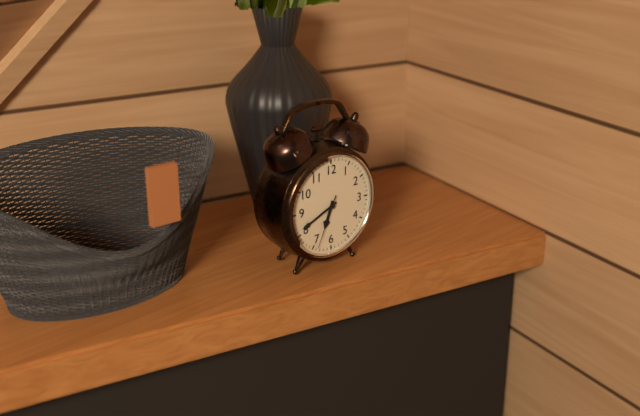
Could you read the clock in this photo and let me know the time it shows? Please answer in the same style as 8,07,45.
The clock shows 6,41,34
